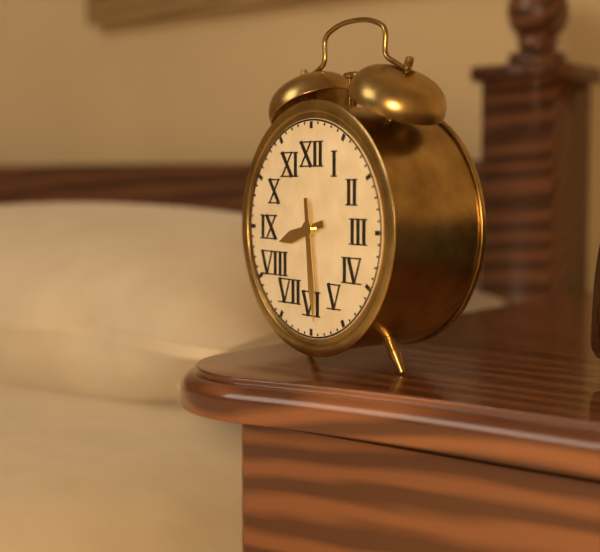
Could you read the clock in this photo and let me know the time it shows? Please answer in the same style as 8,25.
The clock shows 8,29
